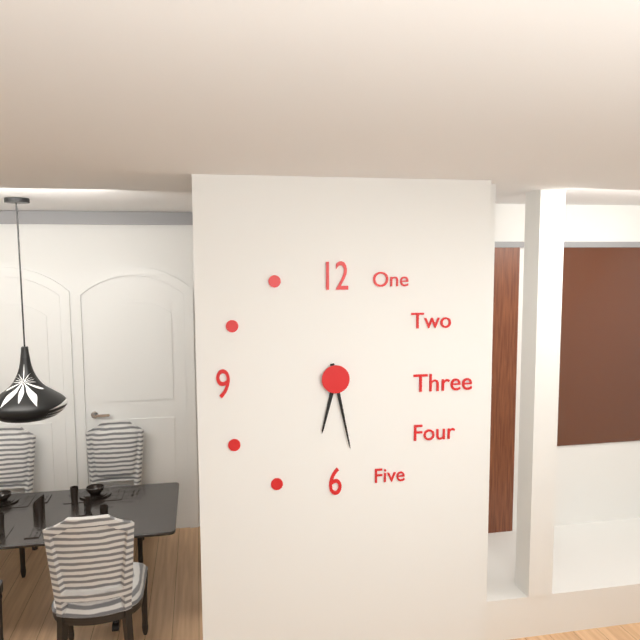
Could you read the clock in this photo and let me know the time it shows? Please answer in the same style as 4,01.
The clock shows 6,28
